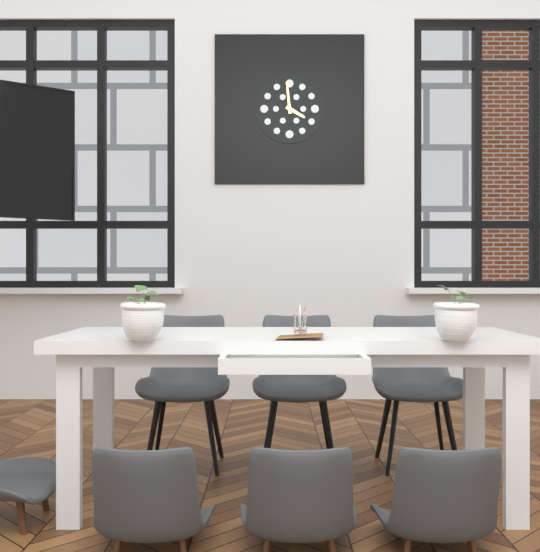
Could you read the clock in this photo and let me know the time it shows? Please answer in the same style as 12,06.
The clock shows 3,59
